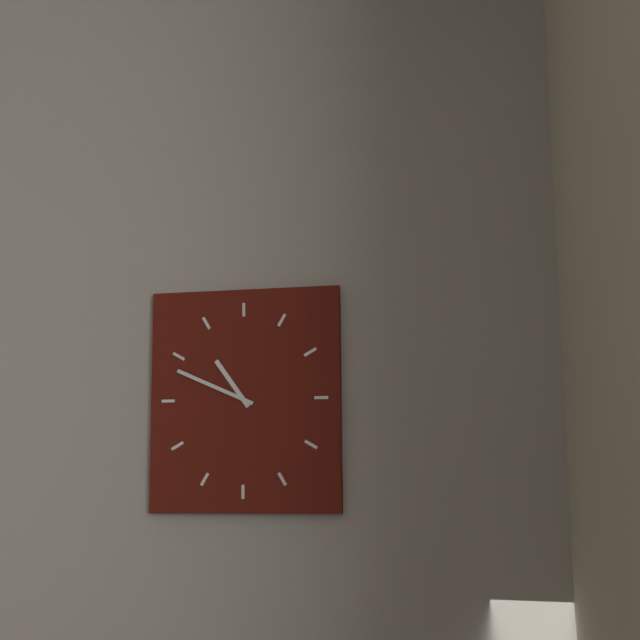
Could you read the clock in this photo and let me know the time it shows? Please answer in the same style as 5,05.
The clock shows 10,49
